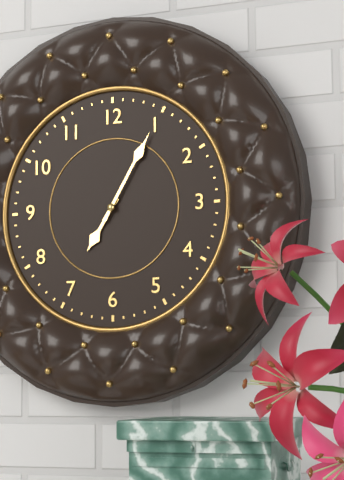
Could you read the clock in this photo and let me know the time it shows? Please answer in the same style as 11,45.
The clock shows 7,05
